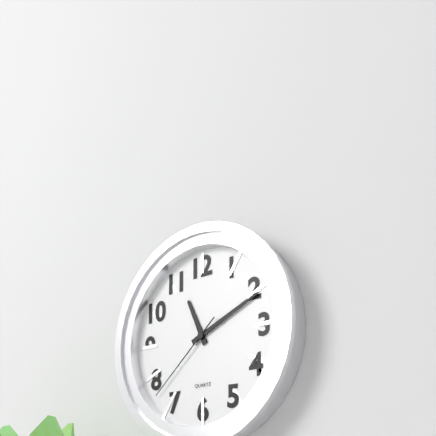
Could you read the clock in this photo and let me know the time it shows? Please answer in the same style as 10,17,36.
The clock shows 11,11,38
